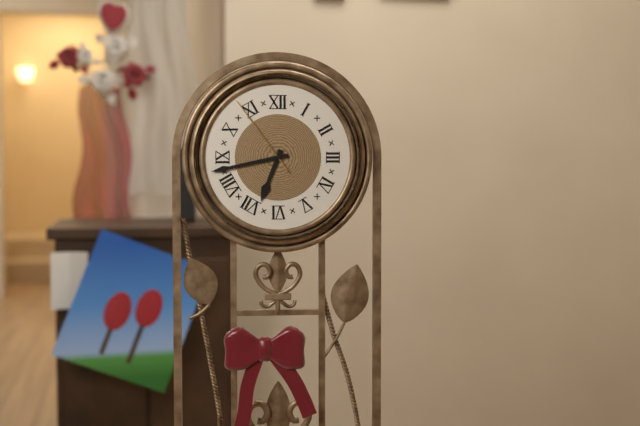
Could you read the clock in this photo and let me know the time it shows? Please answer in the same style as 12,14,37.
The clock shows 6,43,54
